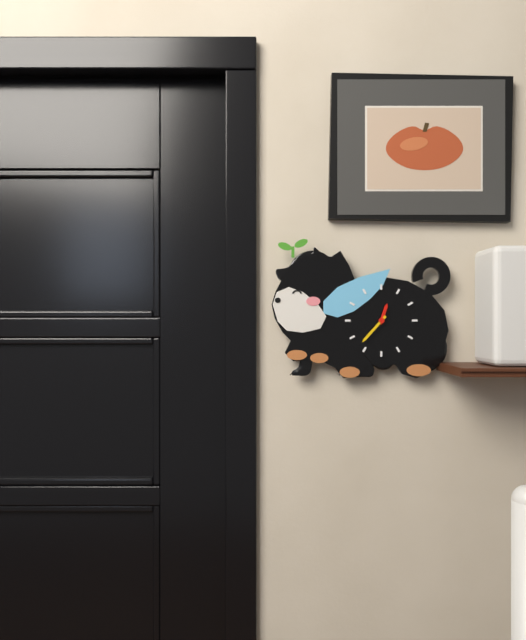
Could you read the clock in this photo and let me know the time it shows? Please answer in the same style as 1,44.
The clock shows 12,37
